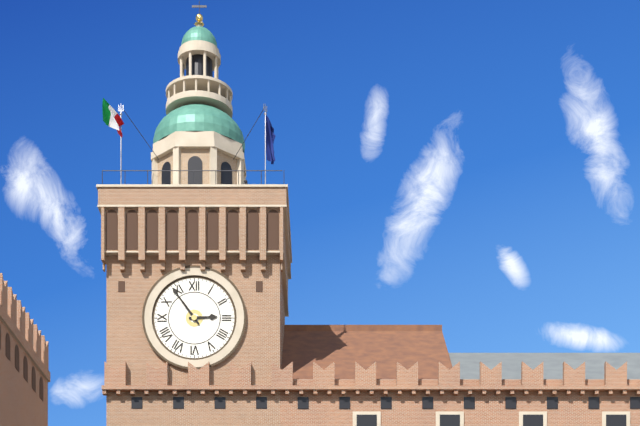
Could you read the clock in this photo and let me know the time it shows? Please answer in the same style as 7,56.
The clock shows 2,54
